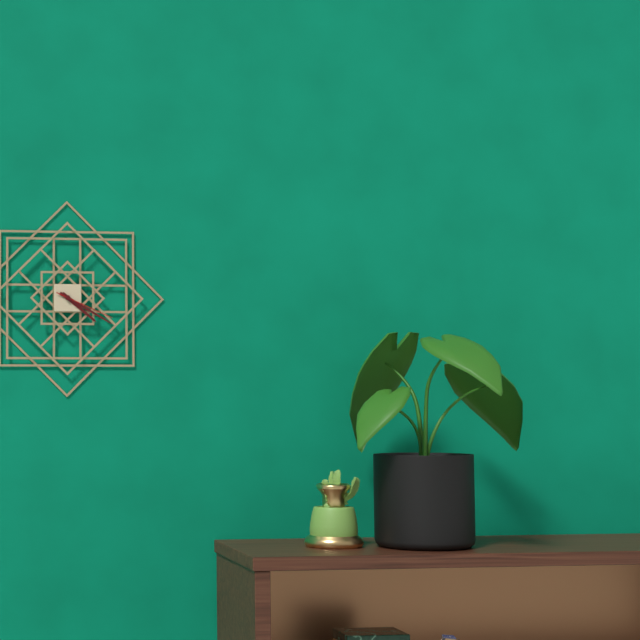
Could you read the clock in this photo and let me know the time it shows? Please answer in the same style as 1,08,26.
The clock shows 4,20,19
